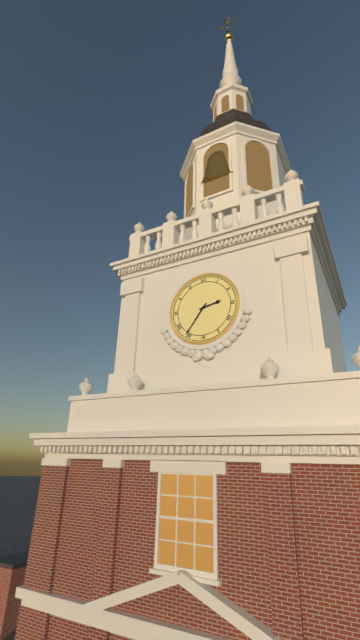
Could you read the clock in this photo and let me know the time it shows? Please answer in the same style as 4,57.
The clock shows 2,36
